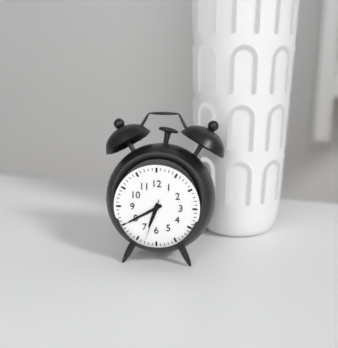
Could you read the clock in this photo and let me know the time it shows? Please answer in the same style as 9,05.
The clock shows 6,40
